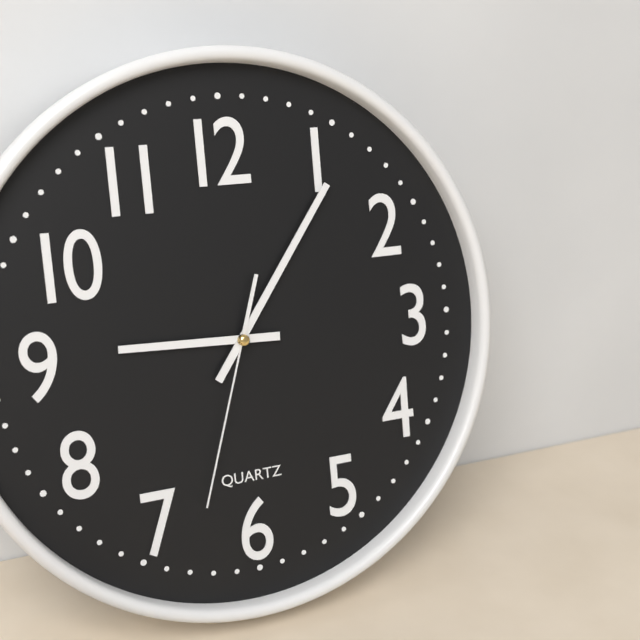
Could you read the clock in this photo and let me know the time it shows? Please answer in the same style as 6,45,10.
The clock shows 9,06,33
